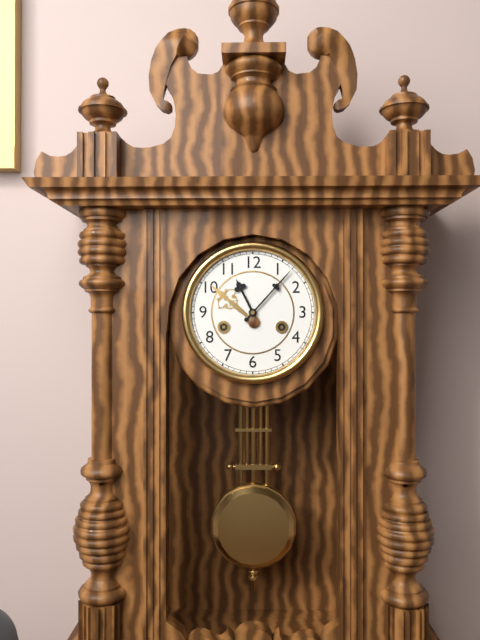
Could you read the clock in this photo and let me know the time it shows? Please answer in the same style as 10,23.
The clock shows 11,07
